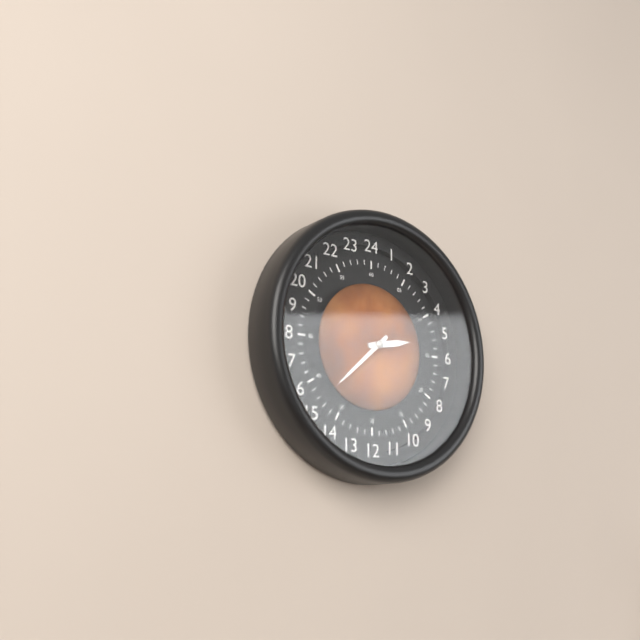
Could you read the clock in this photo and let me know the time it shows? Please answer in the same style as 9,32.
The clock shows 2,38
